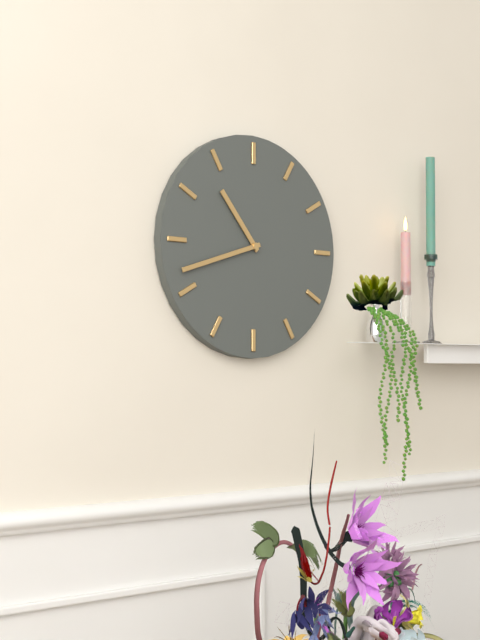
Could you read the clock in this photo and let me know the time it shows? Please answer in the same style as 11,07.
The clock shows 10,42
